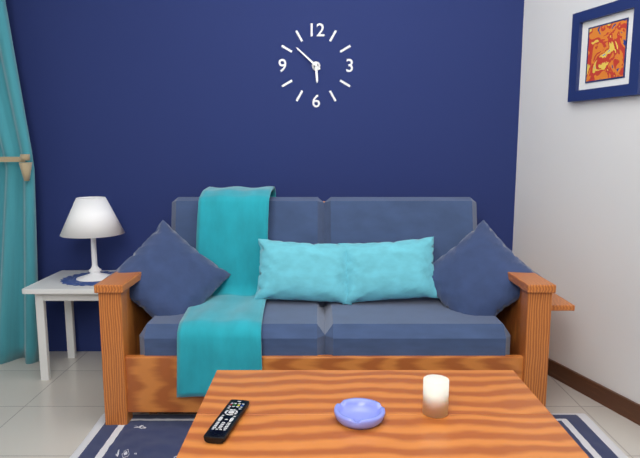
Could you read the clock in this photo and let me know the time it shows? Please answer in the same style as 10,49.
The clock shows 5,52
